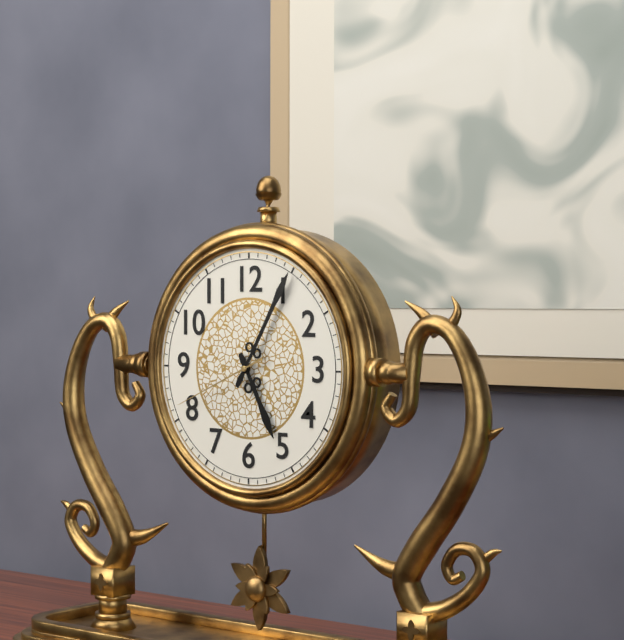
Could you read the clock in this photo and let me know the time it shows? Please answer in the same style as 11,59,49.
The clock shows 5,05,41
